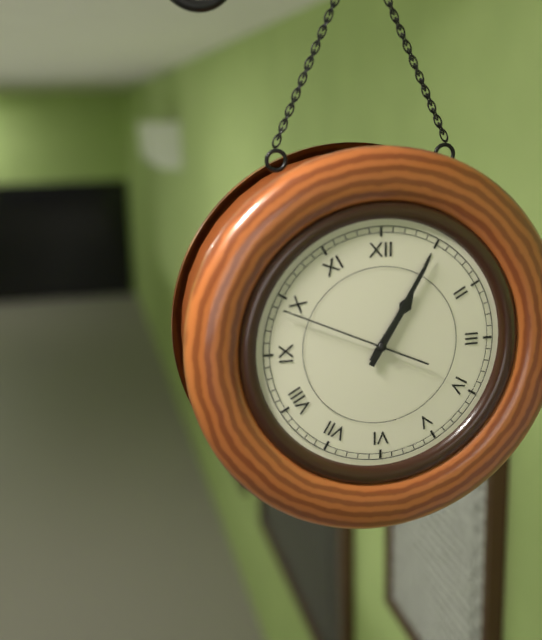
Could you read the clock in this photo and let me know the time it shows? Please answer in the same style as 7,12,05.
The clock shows 1,05,49
